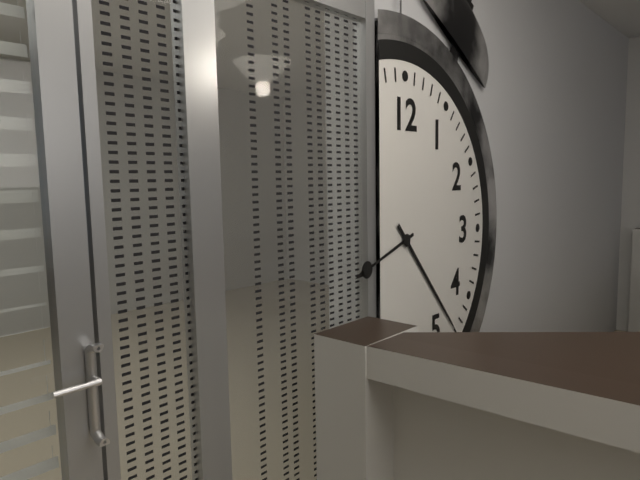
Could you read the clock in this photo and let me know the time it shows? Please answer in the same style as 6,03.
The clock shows 8,23
